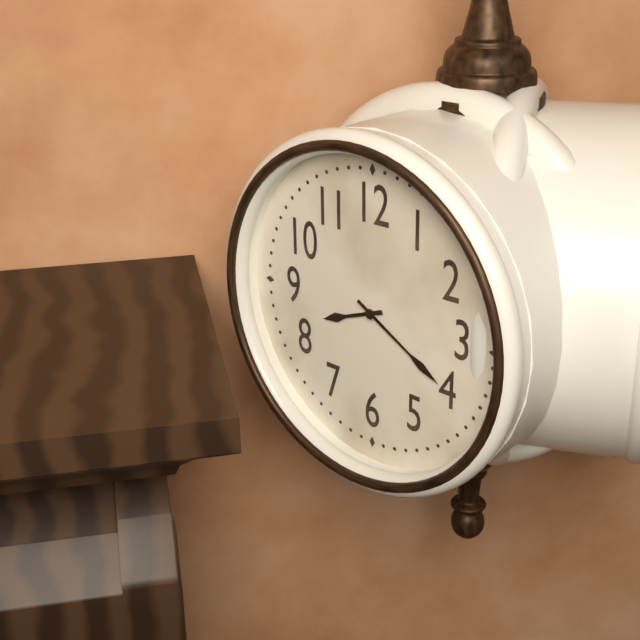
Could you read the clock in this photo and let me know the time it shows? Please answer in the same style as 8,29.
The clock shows 8,20
